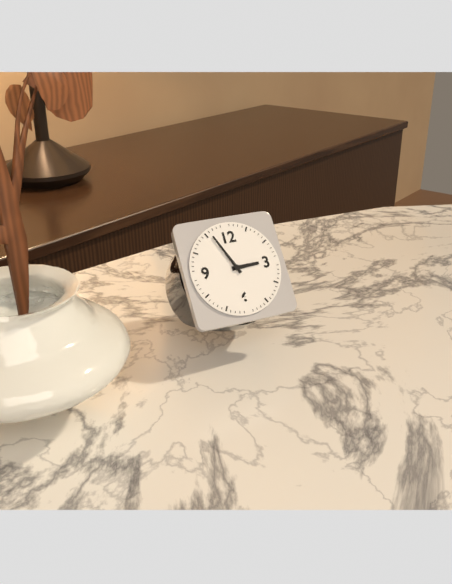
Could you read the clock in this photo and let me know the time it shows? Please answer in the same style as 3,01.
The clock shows 2,56
